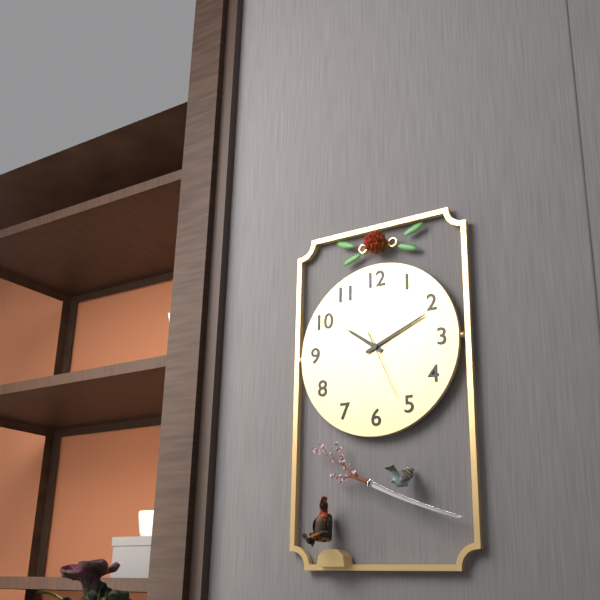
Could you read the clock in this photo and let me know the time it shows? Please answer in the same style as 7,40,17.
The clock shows 10,11,26
